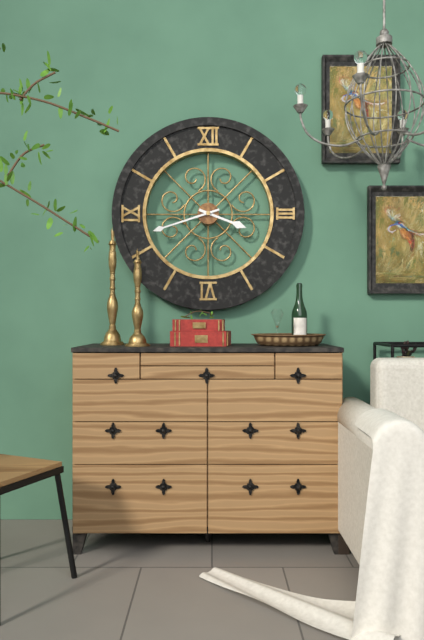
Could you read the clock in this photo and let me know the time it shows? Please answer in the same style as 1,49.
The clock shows 3,42
